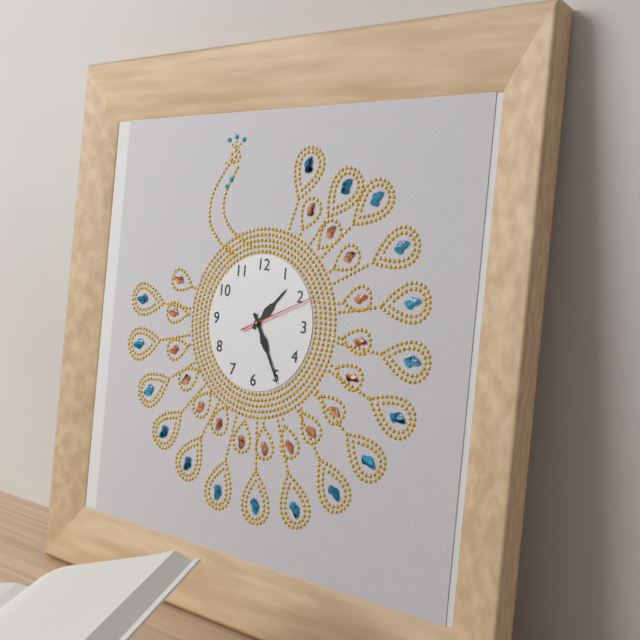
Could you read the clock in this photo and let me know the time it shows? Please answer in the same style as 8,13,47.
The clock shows 1,25,11
